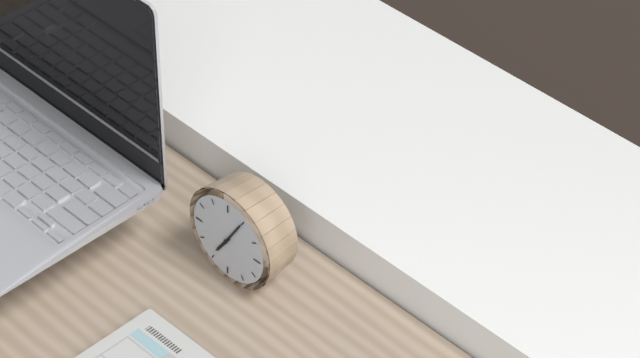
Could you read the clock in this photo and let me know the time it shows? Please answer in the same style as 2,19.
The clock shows 7,05
